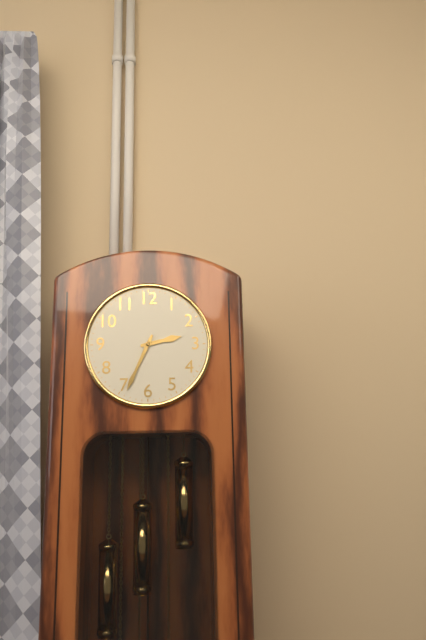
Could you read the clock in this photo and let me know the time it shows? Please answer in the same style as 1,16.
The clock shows 2,34
